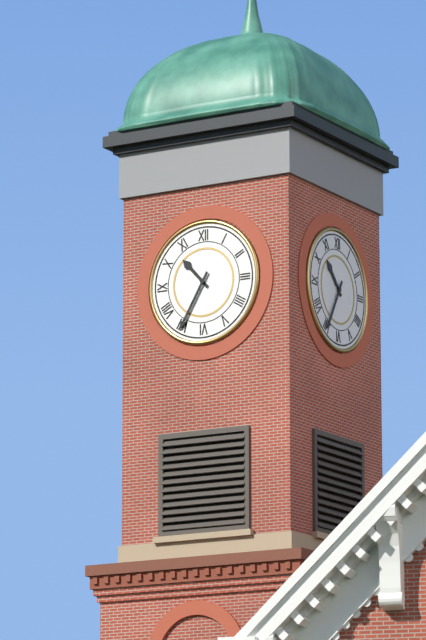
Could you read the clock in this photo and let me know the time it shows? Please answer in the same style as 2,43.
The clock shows 10,35
